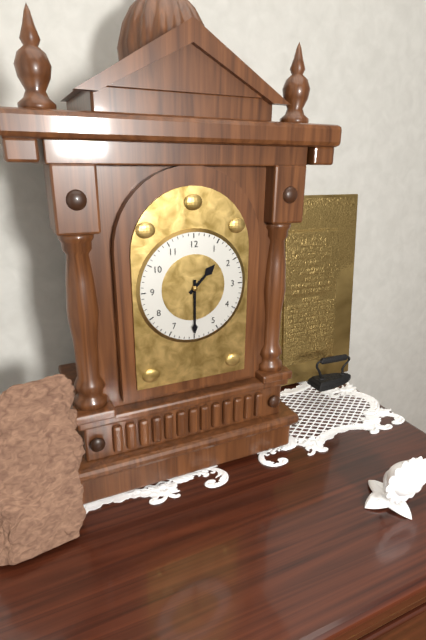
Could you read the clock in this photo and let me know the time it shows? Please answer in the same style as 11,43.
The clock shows 1,30
